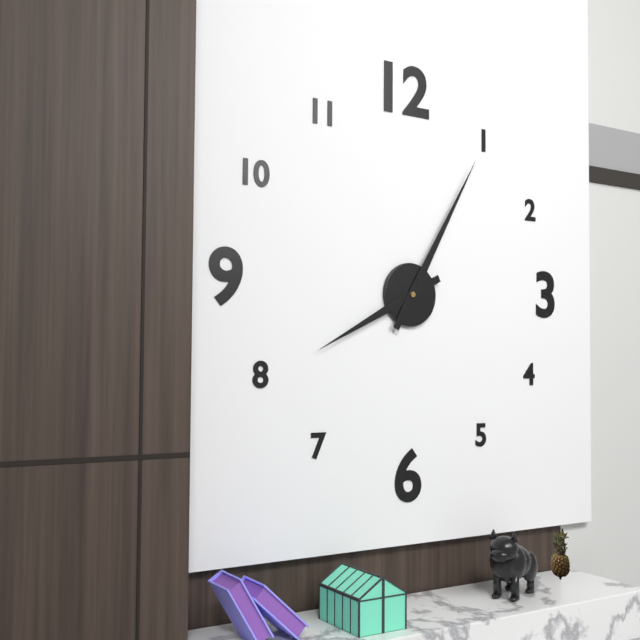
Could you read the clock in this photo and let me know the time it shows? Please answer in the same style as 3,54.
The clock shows 8,05
